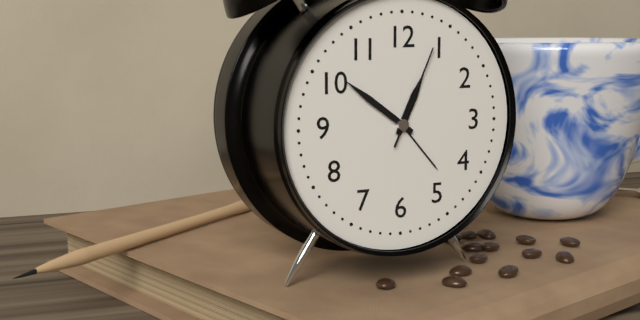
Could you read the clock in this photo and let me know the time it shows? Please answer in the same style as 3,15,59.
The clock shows 12,51,04
